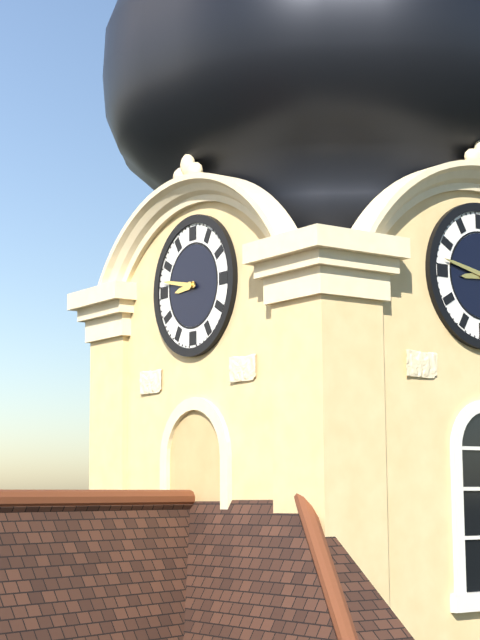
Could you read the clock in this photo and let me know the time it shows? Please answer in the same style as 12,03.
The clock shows 8,47
